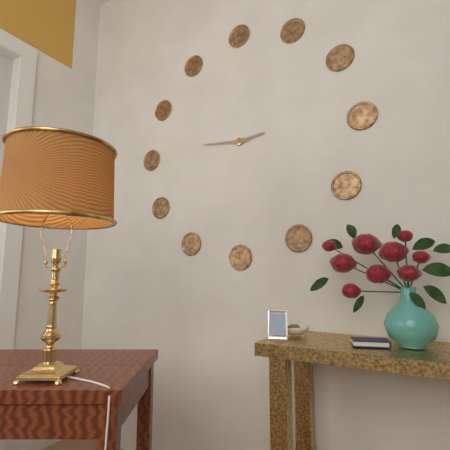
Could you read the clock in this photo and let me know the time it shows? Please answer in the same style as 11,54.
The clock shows 2,46
